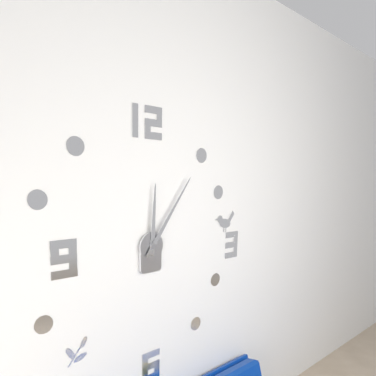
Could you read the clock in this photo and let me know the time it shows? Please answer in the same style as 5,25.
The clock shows 12,06
